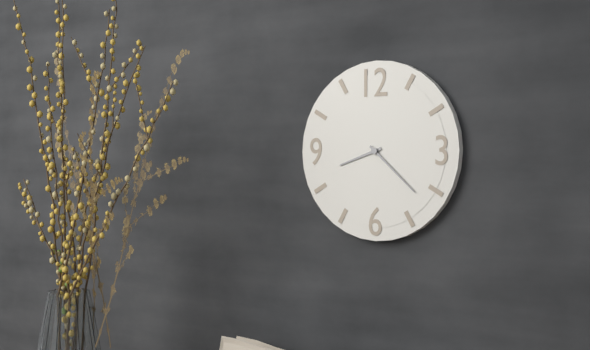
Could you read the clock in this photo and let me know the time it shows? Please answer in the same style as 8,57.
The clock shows 8,22
